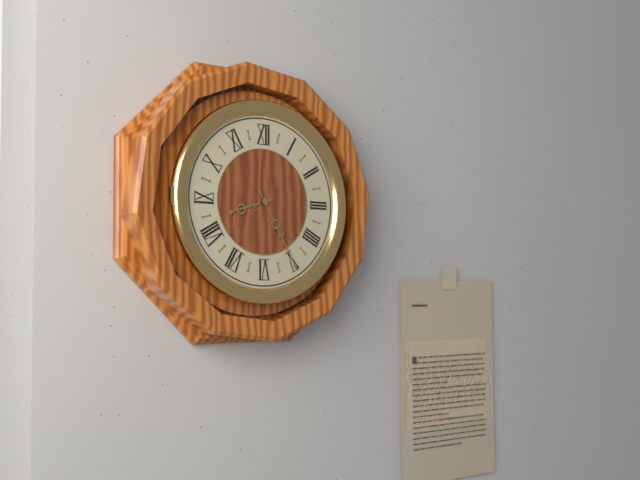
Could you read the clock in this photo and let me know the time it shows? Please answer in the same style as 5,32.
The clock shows 8,25
